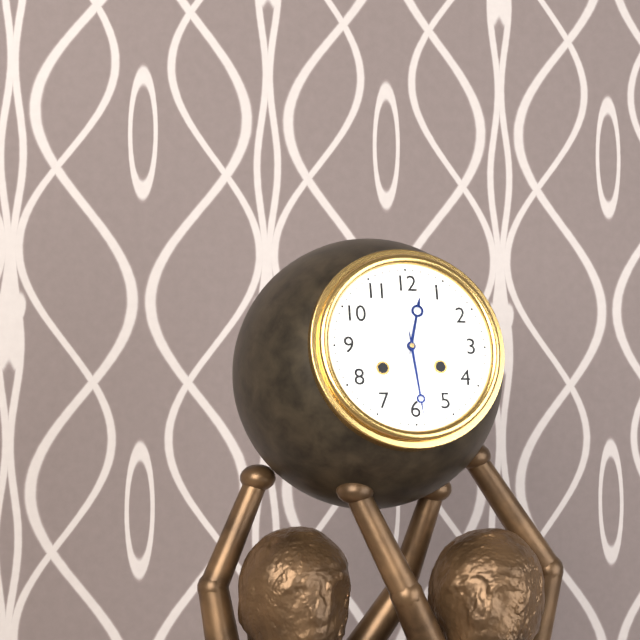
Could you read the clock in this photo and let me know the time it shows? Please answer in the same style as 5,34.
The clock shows 12,29
